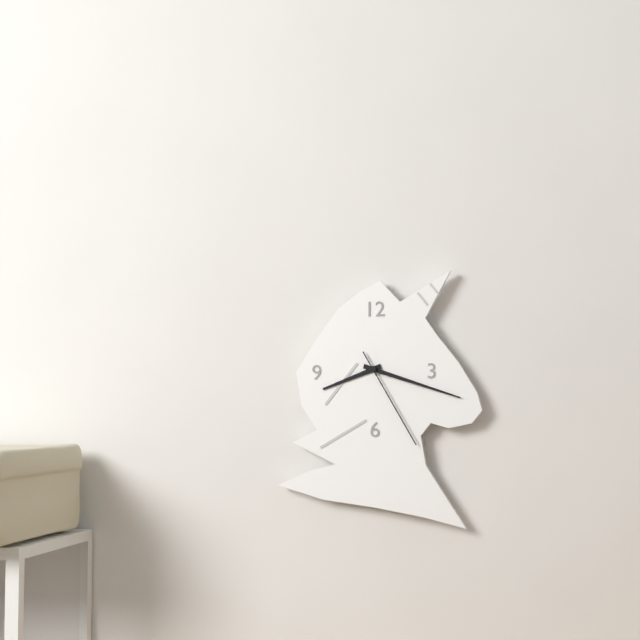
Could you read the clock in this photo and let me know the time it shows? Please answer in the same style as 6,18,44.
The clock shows 8,18,25
